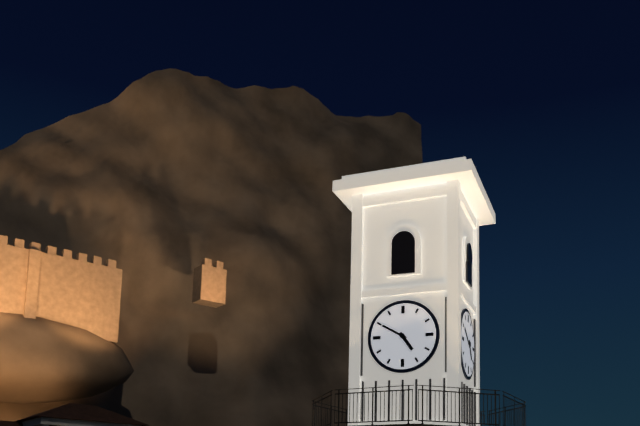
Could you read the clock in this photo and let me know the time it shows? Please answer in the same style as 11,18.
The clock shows 4,50
